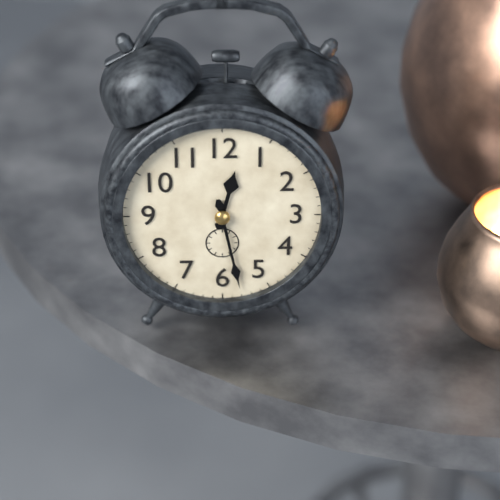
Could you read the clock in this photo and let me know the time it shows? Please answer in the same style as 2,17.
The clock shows 12,28
